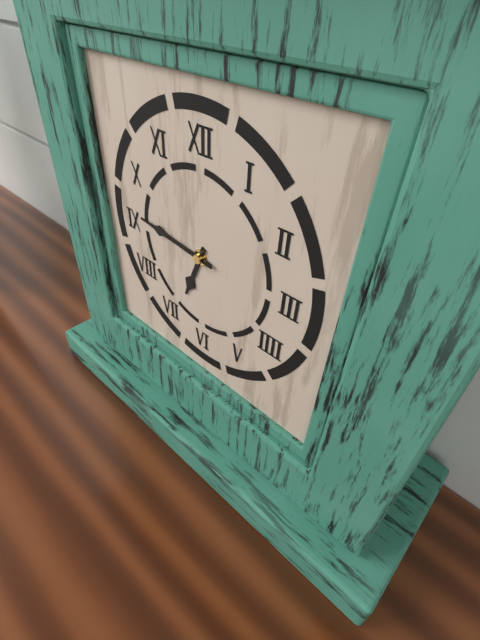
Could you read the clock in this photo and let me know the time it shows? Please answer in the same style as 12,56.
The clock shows 6,46
